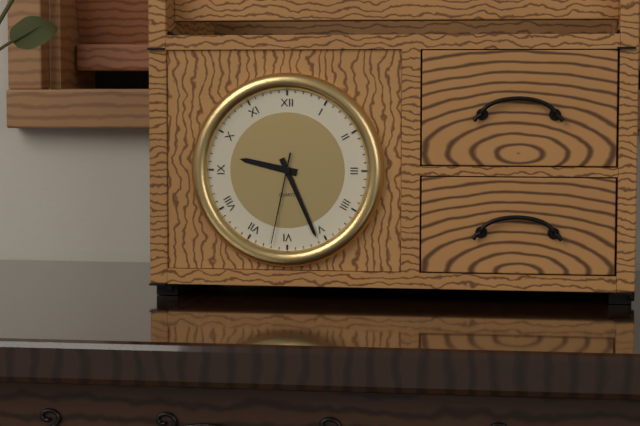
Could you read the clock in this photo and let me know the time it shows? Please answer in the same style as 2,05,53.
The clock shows 9,26,32
